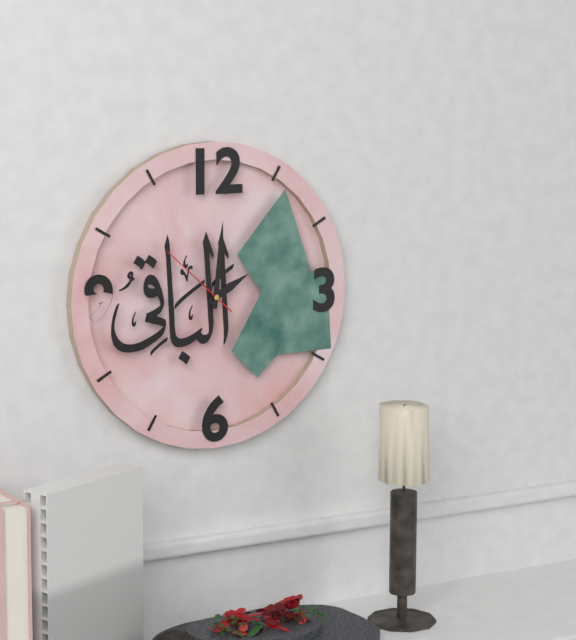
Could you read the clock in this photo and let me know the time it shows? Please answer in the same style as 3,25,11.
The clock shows 2,01,52
